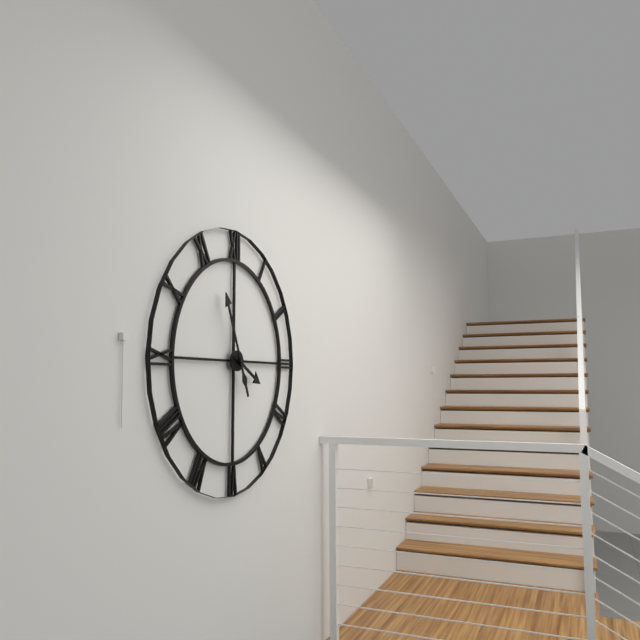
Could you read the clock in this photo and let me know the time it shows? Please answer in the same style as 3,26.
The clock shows 3,56
